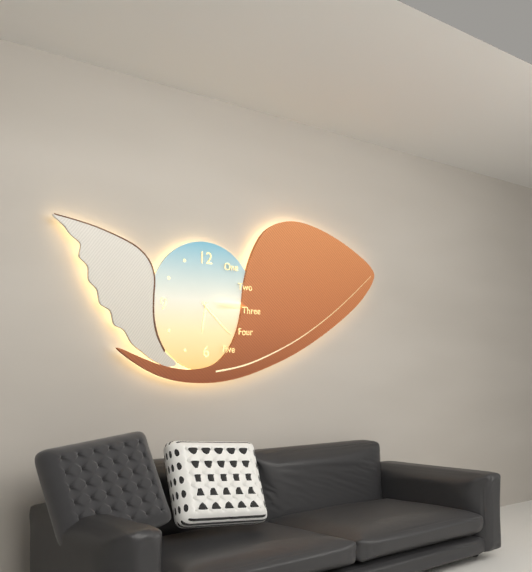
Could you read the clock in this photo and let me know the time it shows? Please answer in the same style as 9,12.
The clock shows 6,22
